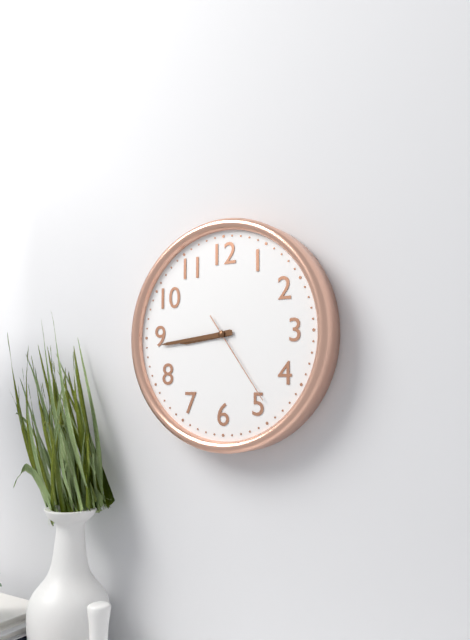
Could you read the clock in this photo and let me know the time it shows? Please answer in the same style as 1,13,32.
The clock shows 8,44,24
